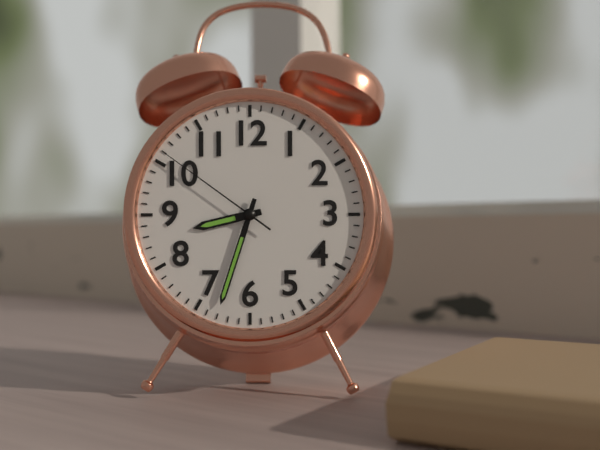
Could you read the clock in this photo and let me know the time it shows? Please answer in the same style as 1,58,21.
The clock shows 8,33,51
